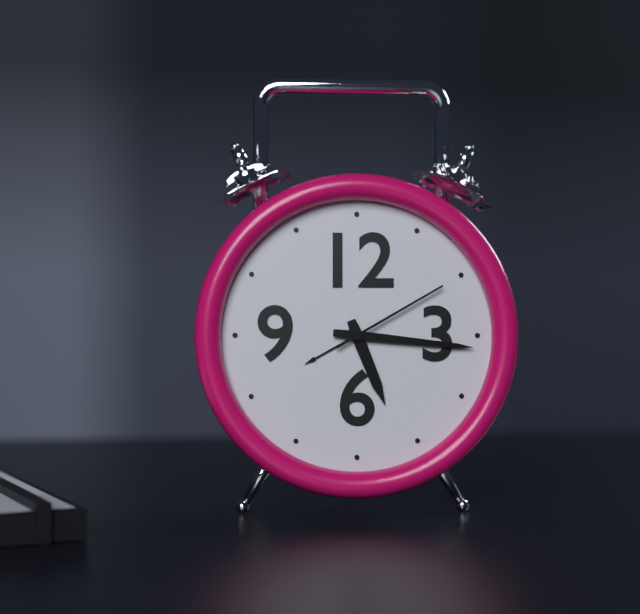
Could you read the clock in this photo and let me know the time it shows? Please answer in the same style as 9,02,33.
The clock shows 5,16,10
